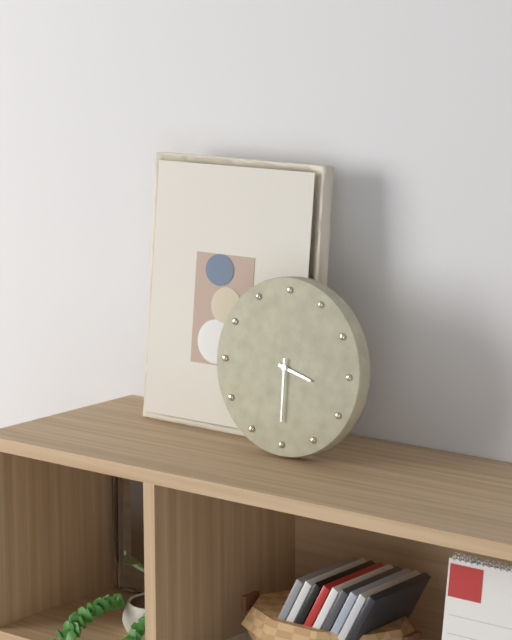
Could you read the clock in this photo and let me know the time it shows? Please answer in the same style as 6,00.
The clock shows 3,30
